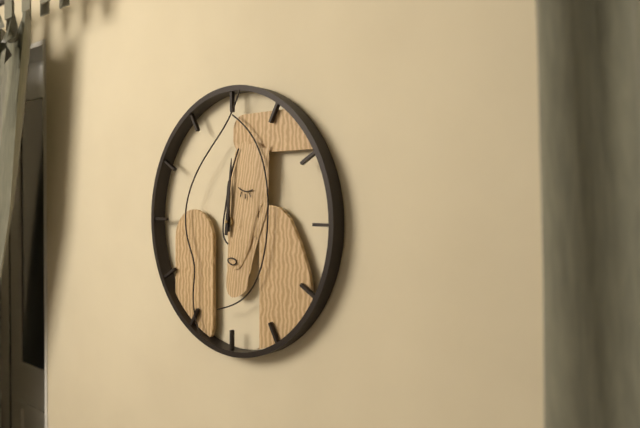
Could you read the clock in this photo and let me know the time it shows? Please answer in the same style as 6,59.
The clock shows 12,01
